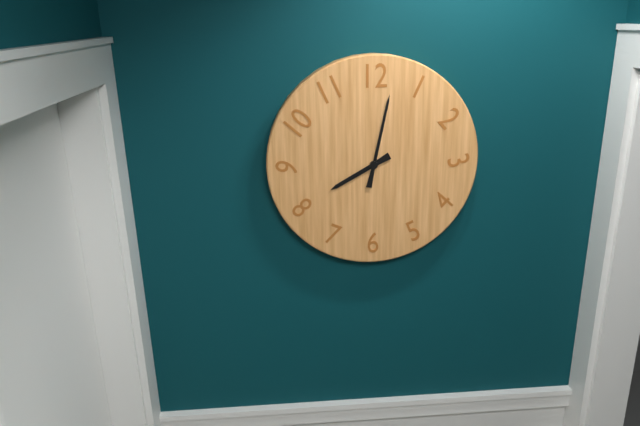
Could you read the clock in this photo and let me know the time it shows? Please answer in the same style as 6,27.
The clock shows 8,02
